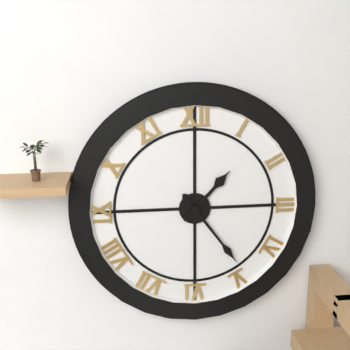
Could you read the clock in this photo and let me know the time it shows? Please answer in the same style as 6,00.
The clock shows 1,24
